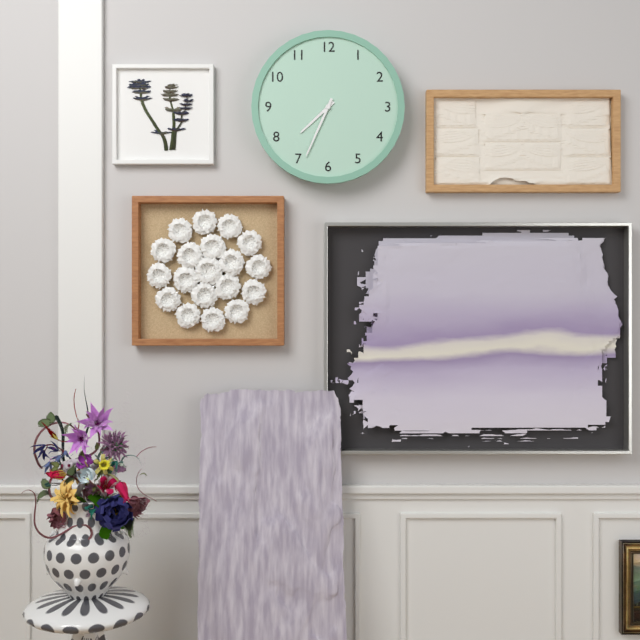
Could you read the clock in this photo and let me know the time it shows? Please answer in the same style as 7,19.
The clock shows 7,34
